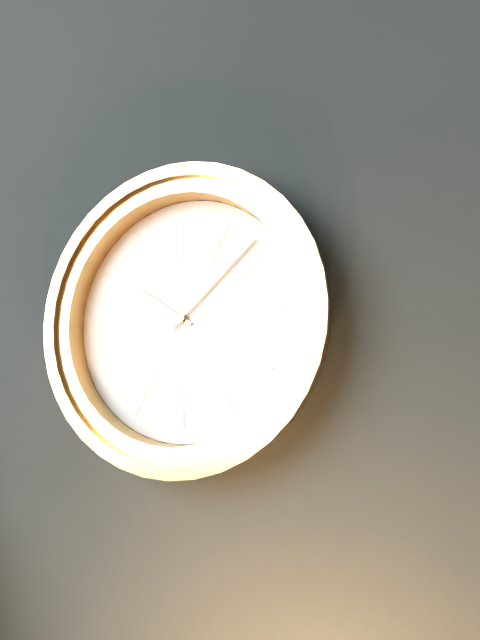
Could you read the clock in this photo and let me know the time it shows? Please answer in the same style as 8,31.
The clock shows 10,08
